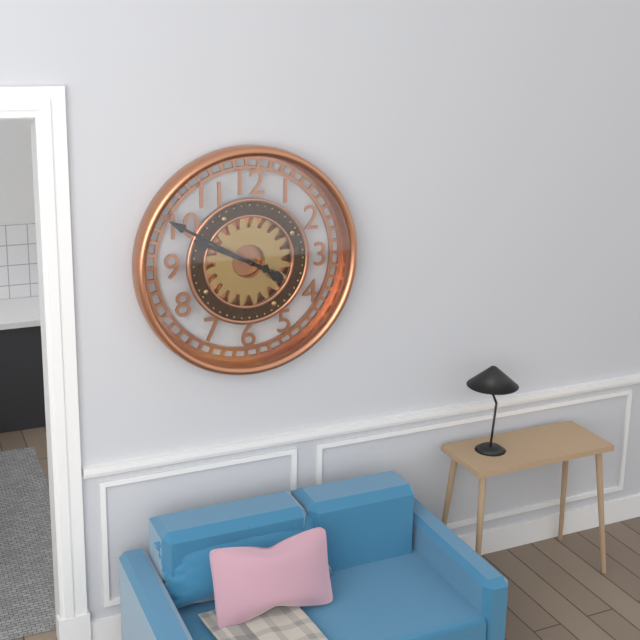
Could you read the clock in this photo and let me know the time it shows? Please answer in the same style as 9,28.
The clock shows 9,50
